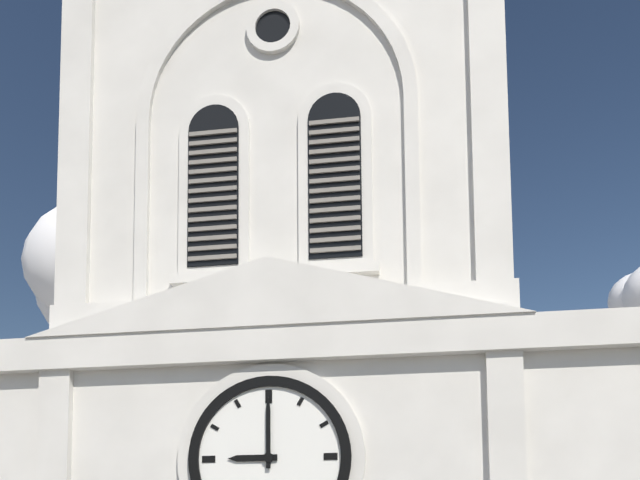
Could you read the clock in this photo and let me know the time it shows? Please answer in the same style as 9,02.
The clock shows 9,00
